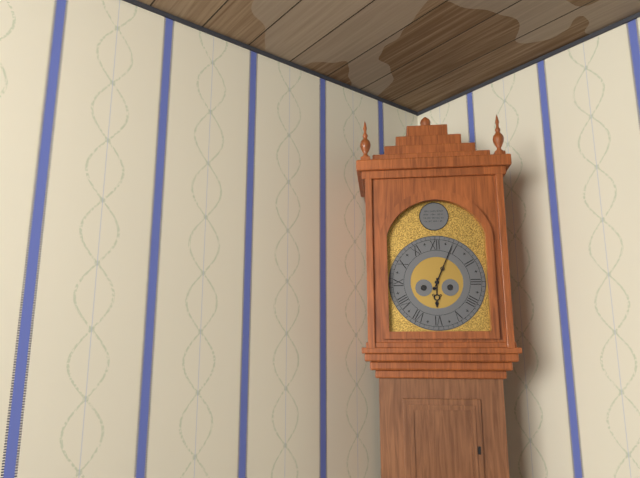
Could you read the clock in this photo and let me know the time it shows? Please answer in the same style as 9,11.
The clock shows 6,04
